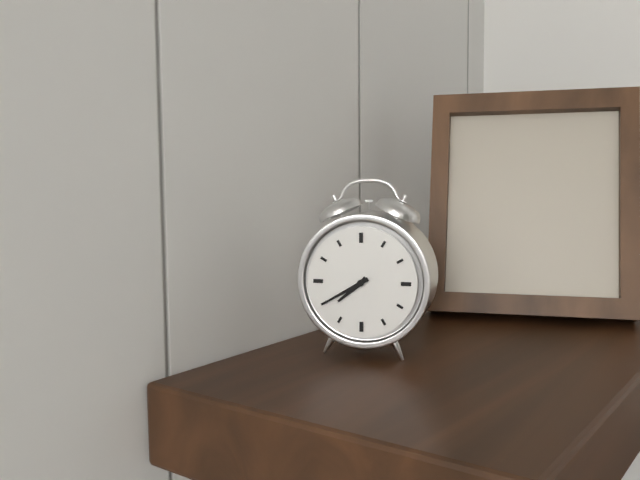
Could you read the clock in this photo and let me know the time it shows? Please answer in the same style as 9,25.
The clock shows 7,40
